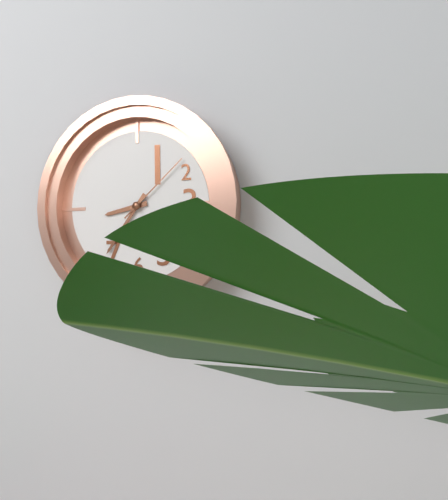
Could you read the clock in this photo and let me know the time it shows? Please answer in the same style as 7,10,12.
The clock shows 8,36,08
